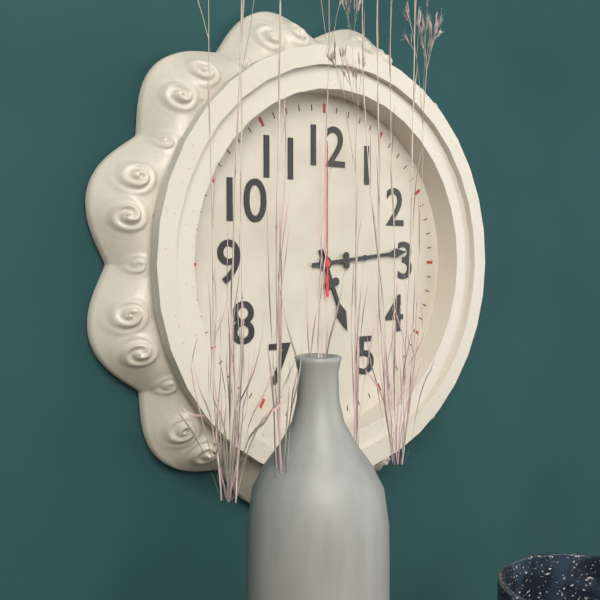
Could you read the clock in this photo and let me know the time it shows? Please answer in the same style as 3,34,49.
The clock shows 5,14,00
